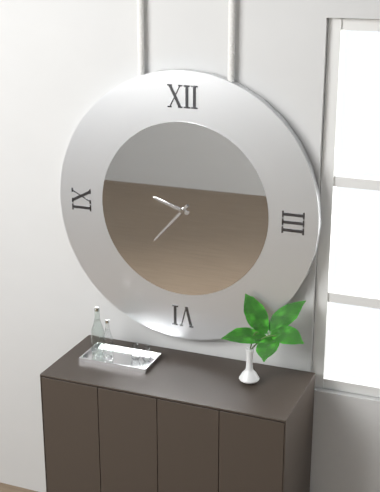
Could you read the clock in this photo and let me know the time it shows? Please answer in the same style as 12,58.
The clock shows 9,37
